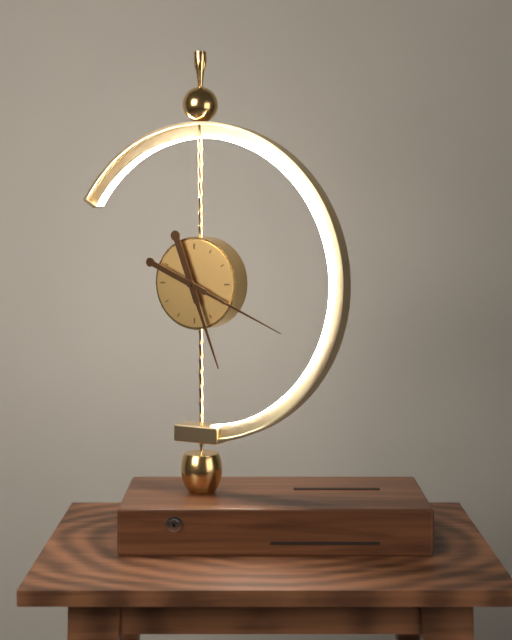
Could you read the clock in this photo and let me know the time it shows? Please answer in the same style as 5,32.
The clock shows 5,19
